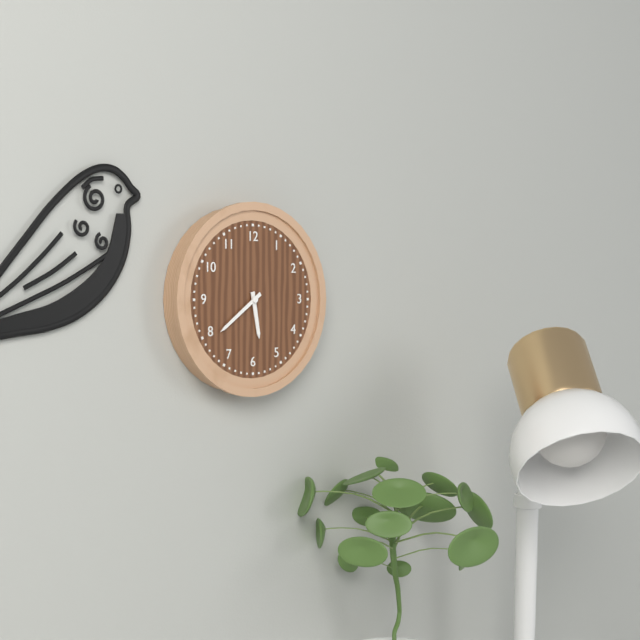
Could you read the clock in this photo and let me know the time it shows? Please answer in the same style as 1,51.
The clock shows 5,39
